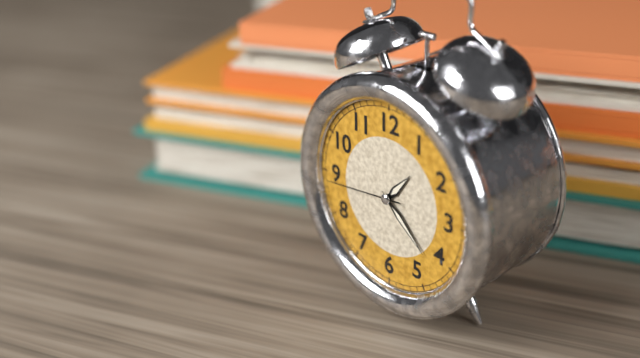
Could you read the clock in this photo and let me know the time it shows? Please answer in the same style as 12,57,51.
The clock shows 1,22,44
